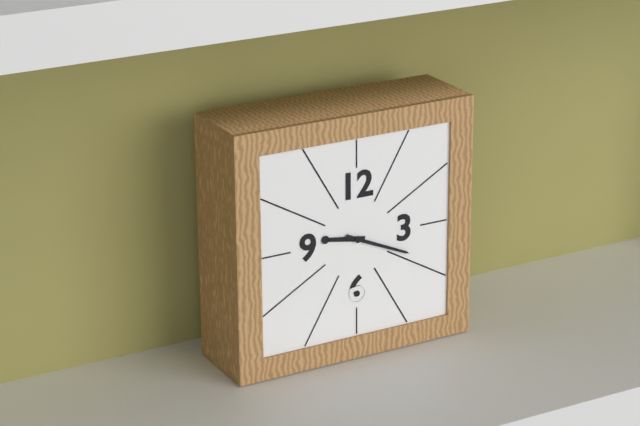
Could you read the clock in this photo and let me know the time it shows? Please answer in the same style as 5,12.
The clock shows 9,19
